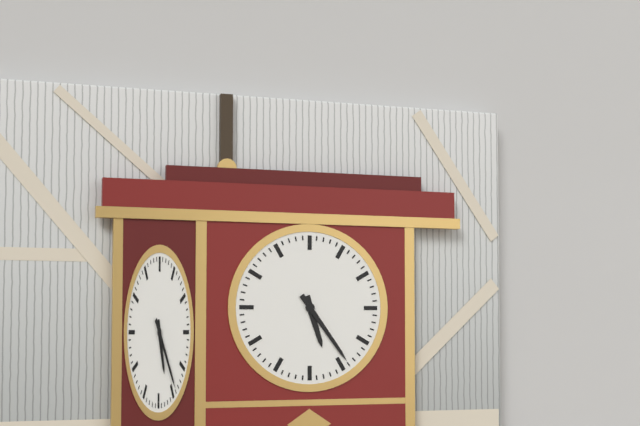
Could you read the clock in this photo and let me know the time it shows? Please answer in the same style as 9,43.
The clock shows 5,24
